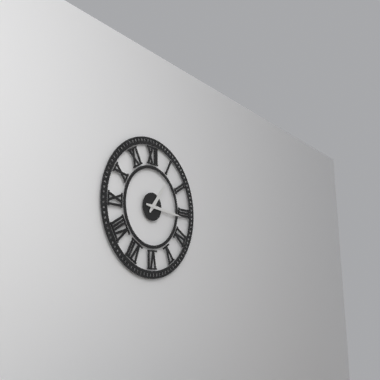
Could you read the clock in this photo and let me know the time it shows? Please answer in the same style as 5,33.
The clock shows 1,16
